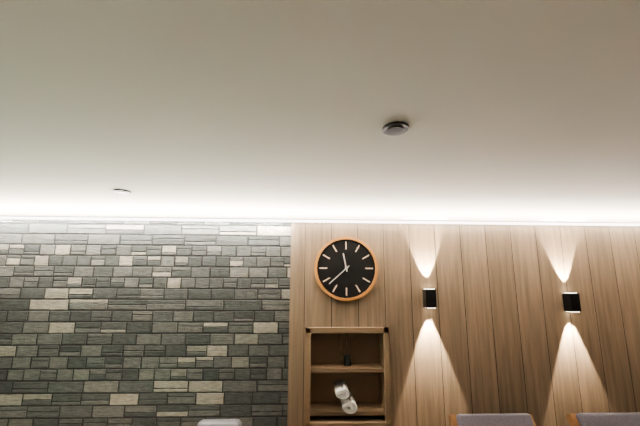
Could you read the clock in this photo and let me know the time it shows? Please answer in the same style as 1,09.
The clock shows 11,38
